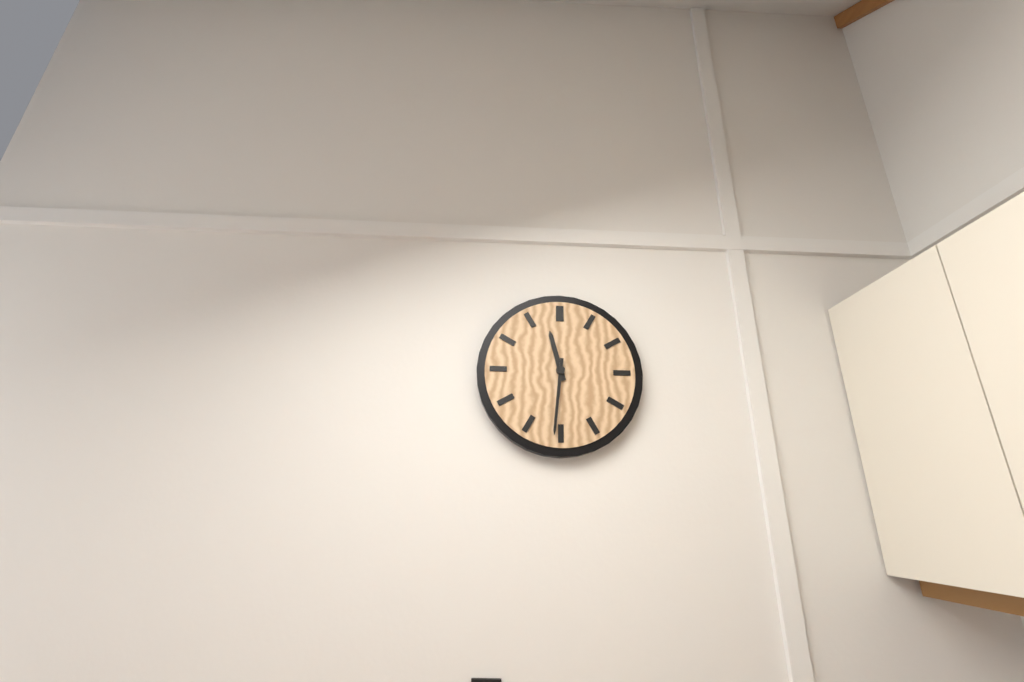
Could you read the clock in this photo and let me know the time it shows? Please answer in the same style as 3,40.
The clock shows 11,31
